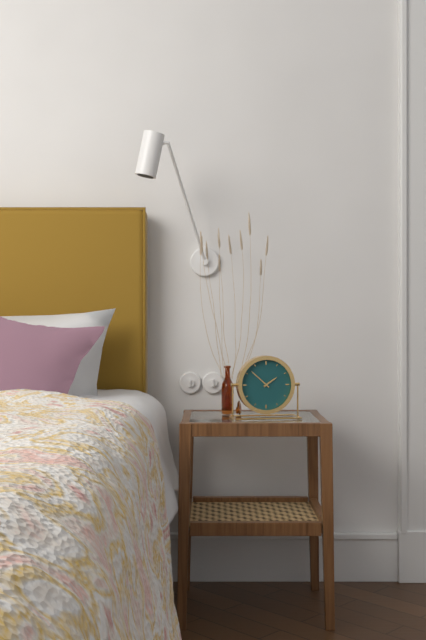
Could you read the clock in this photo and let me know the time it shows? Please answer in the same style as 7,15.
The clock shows 1,52
